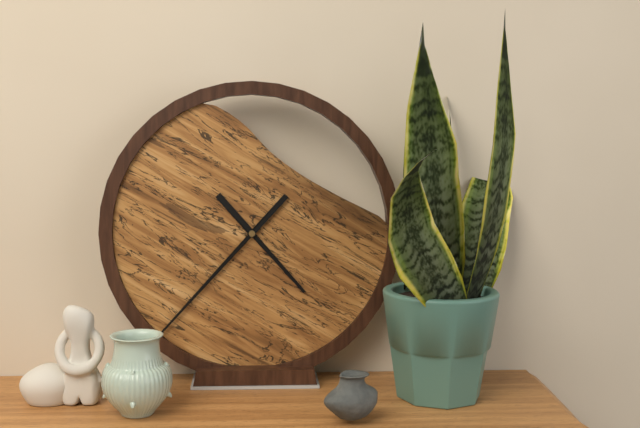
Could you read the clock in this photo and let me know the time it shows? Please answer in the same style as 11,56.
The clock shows 4,37
